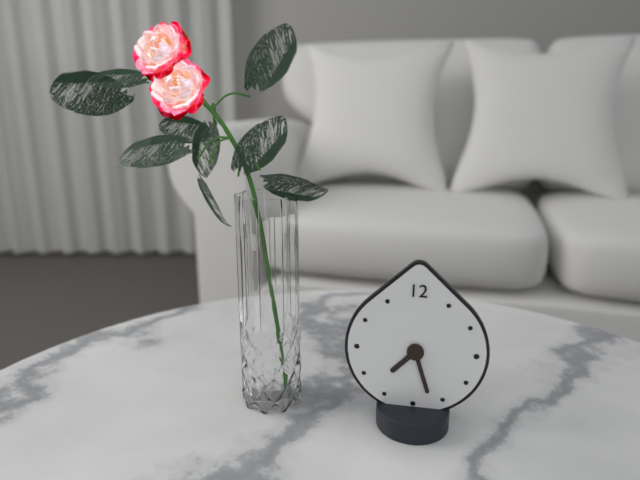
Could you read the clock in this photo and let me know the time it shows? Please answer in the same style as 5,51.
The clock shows 7,27
